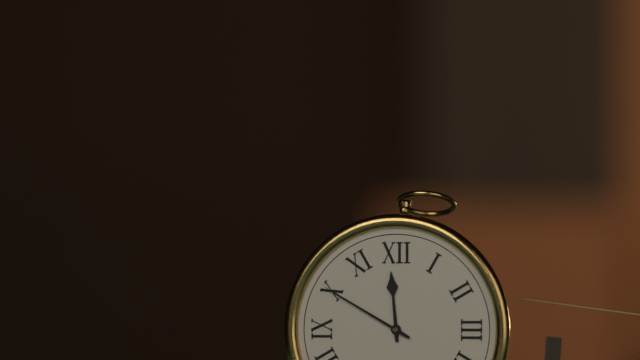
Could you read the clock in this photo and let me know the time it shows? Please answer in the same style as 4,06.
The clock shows 11,50
